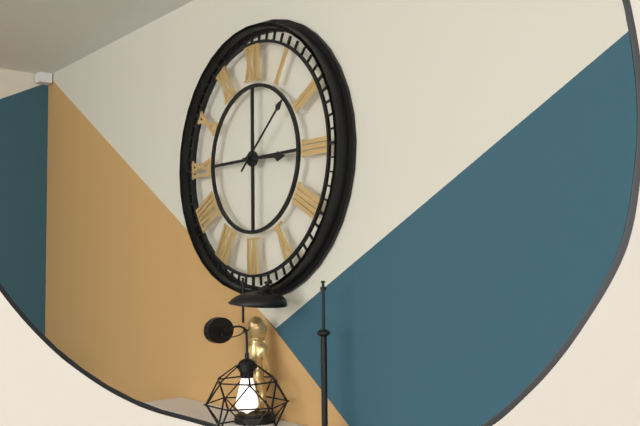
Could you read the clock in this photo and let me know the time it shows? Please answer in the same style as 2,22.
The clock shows 3,08
